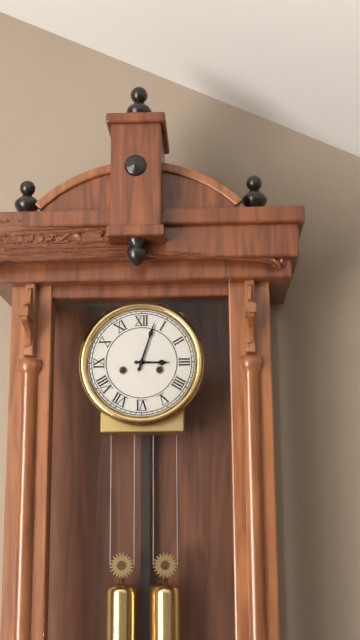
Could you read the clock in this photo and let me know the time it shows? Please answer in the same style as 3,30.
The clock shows 3,03
